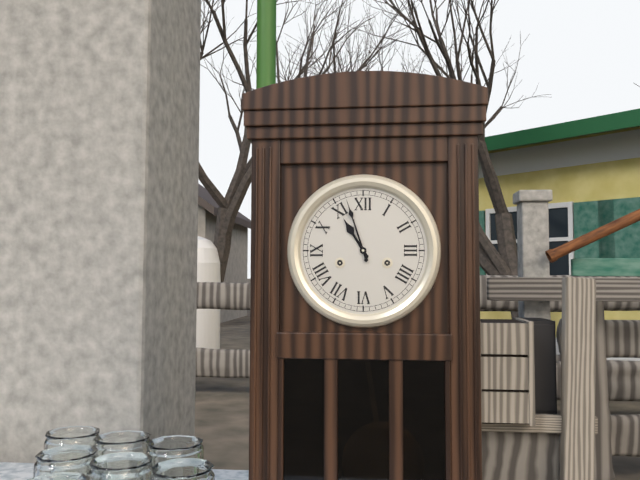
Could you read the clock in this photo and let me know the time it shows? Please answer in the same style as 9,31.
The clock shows 10,57
